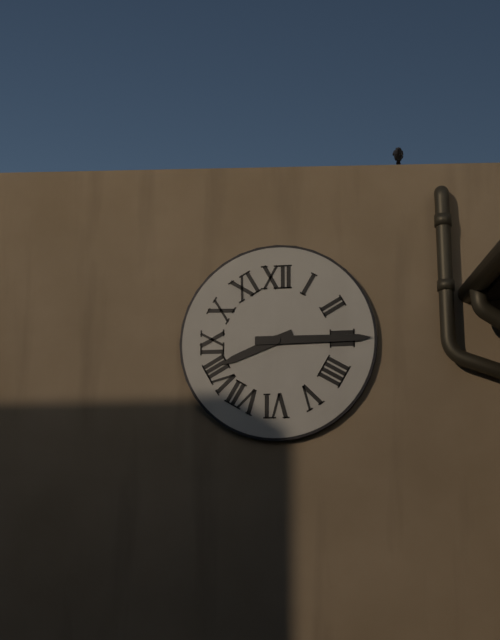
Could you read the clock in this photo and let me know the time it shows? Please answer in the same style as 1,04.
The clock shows 8,15
